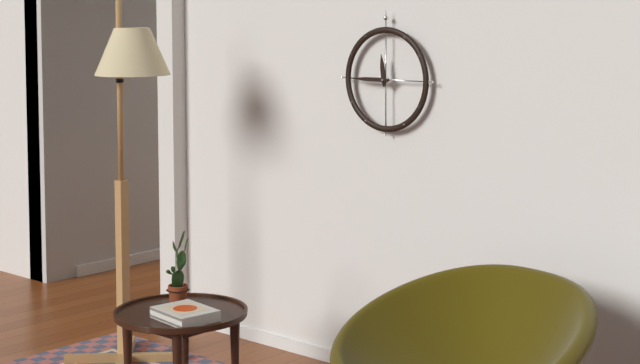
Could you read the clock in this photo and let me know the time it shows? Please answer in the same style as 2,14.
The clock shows 11,45
